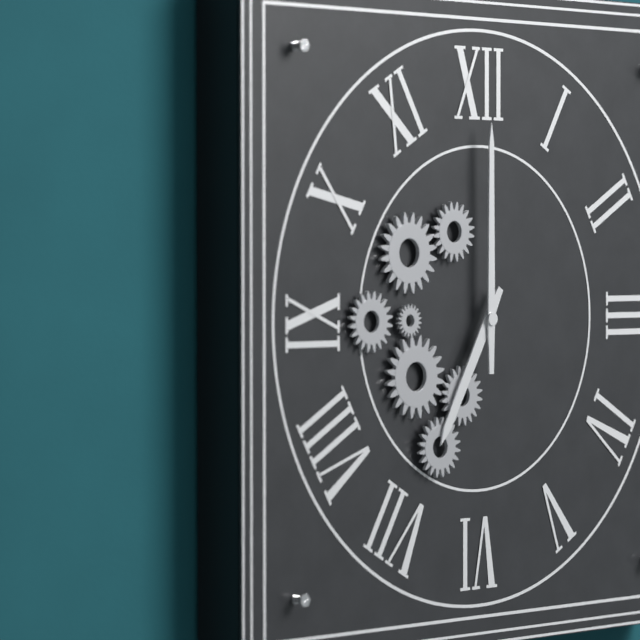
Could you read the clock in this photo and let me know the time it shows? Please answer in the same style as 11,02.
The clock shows 7,00
